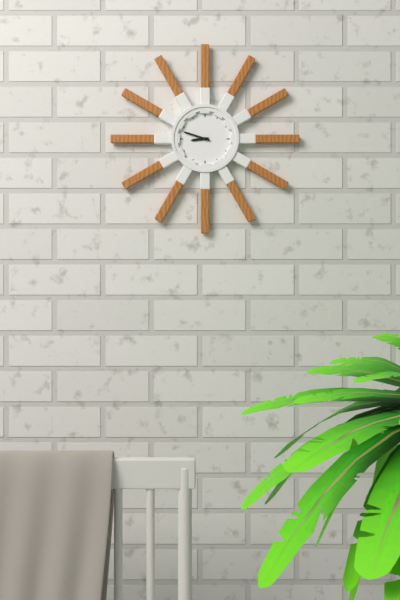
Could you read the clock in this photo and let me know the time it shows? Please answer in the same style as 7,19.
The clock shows 8,48
